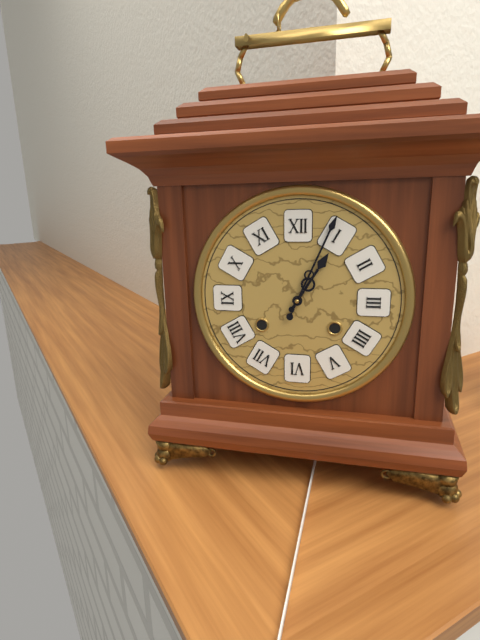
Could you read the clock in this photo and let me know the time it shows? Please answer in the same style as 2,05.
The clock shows 1,04
